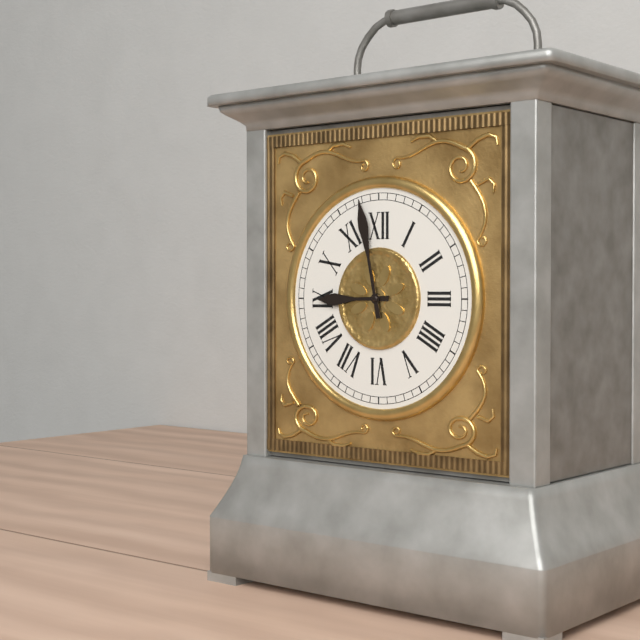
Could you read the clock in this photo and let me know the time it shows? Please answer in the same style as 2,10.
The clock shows 8,58
